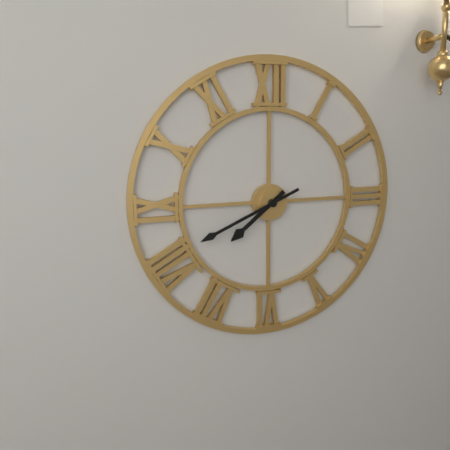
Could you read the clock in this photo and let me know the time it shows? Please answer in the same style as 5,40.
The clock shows 7,41
